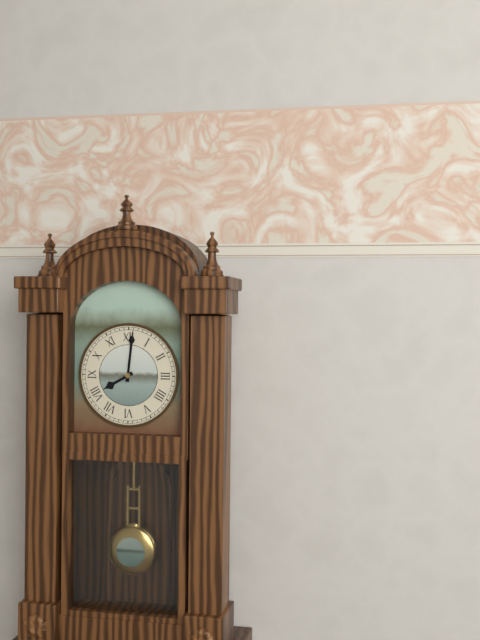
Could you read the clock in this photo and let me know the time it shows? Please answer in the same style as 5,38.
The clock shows 8,01
